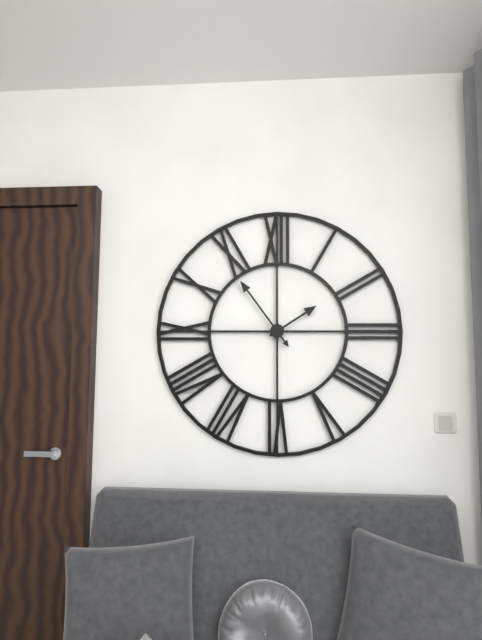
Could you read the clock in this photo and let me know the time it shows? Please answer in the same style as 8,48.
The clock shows 1,54
